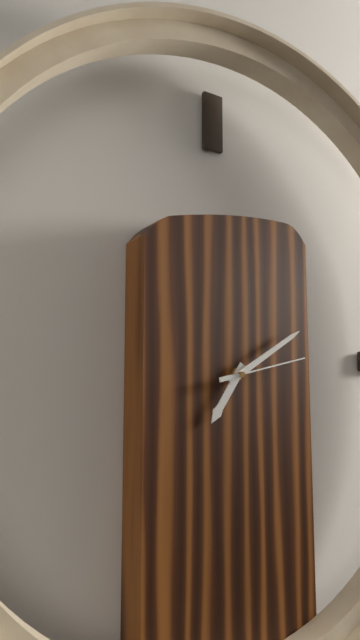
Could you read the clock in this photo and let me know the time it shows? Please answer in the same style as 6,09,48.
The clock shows 7,10,13
